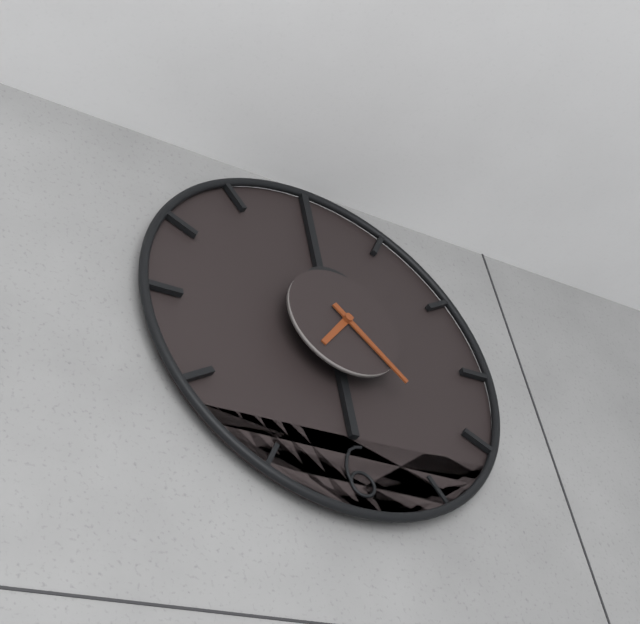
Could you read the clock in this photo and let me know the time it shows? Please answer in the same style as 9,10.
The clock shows 7,23
